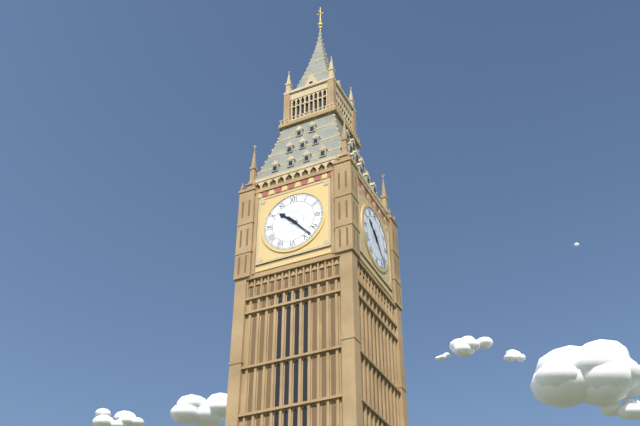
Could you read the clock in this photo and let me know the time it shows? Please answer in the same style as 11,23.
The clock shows 10,23
